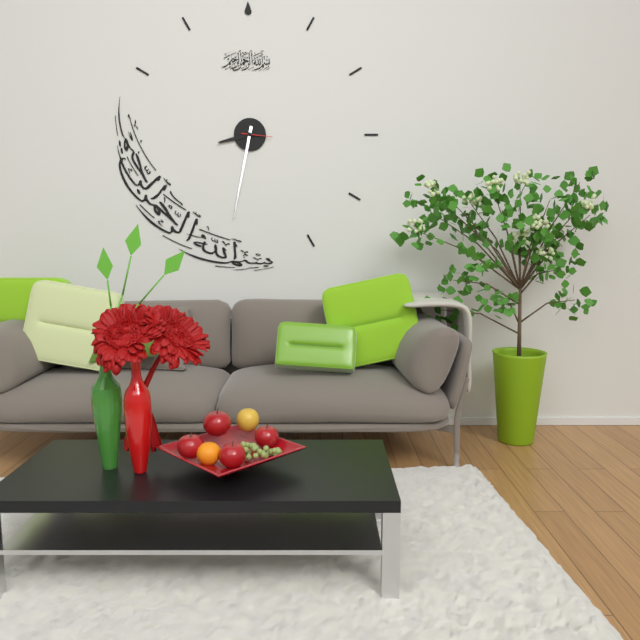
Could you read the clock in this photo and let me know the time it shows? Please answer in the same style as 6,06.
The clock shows 8,32
